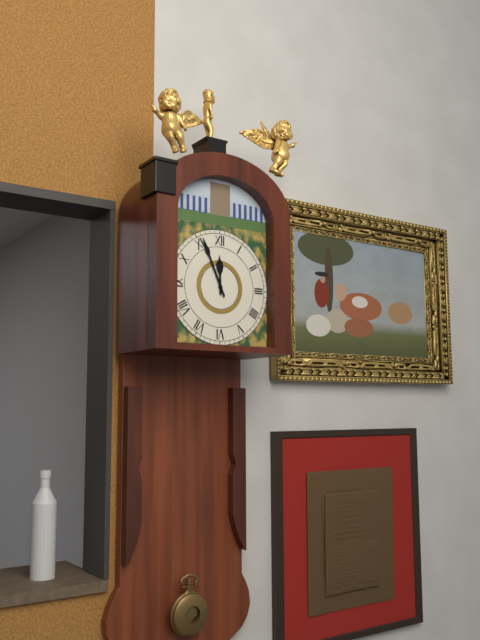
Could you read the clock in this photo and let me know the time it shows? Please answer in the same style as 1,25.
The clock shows 11,56
